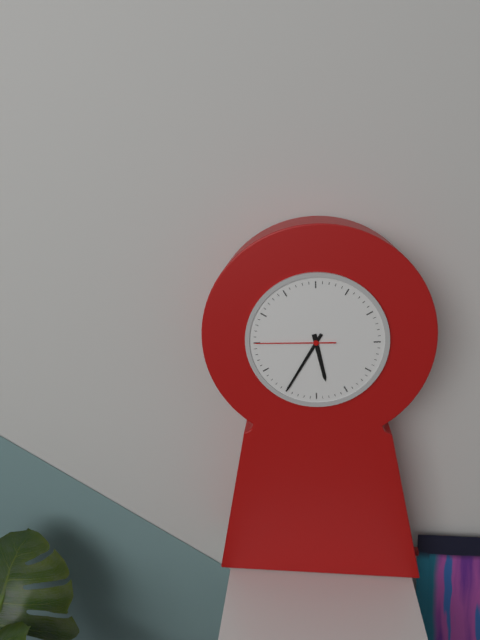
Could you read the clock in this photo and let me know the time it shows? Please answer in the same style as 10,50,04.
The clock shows 5,35,45
